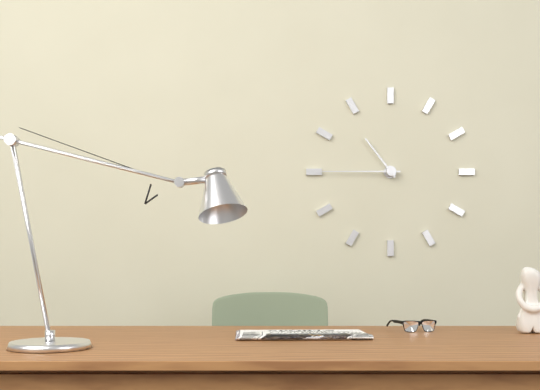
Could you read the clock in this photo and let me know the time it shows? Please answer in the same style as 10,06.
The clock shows 10,45
